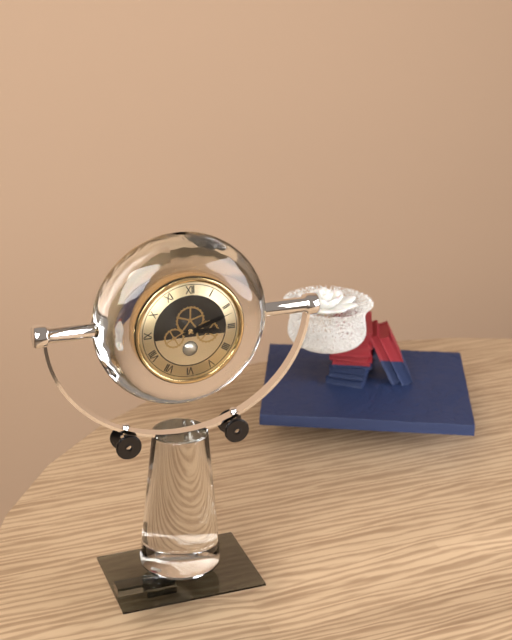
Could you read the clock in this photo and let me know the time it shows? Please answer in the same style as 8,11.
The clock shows 3,12
